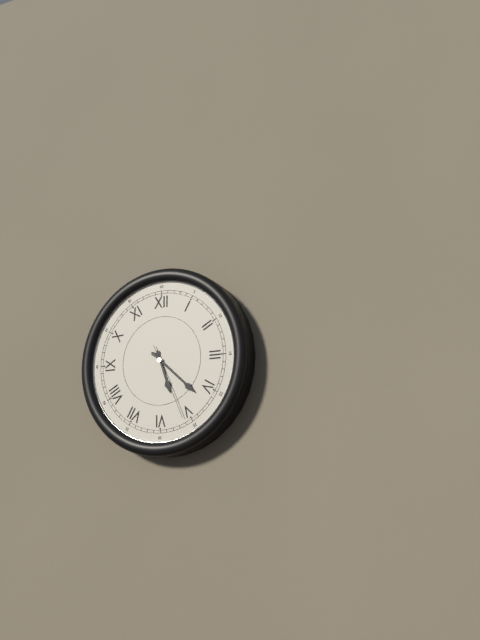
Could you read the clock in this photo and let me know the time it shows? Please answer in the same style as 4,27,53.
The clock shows 5,22,26
